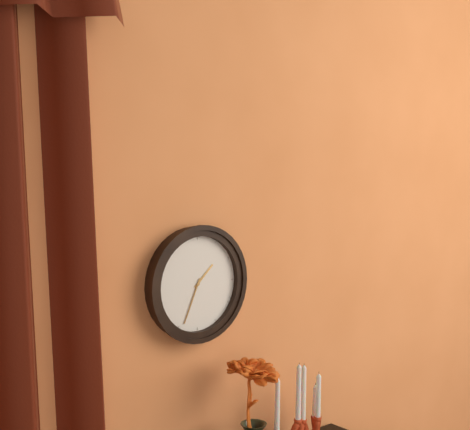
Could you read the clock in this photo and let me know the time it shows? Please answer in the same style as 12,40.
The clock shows 1,34
